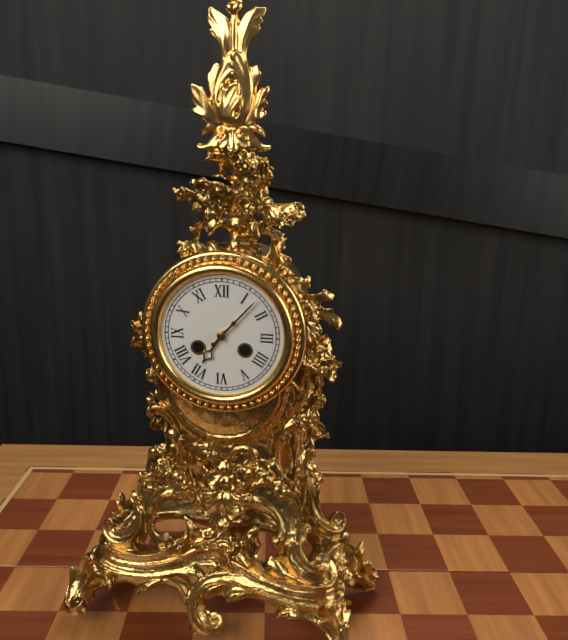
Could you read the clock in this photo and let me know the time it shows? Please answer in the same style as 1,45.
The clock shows 7,07
